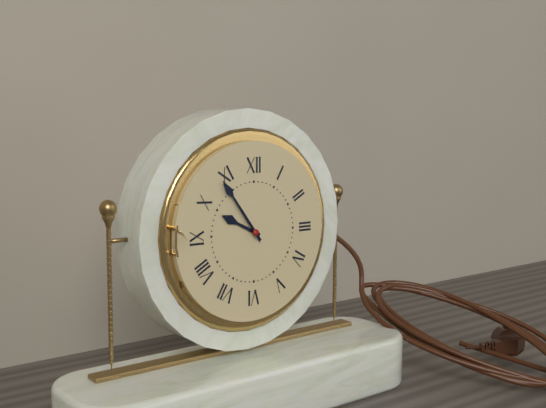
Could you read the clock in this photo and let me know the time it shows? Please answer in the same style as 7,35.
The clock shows 9,54
